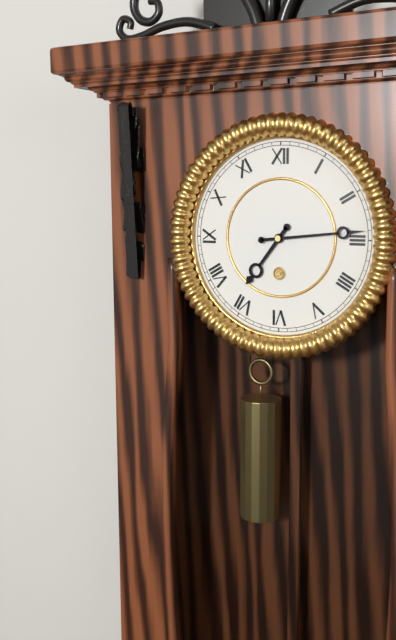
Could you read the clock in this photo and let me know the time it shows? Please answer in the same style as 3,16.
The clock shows 7,14
